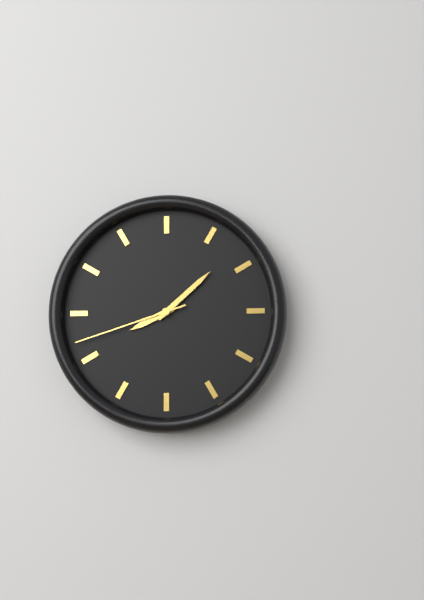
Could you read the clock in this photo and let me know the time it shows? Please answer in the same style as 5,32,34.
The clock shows 8,08,42
